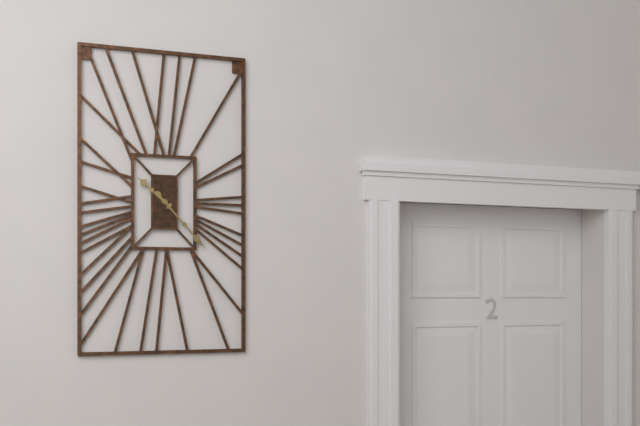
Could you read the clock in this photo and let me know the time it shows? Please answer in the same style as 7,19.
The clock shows 10,23
